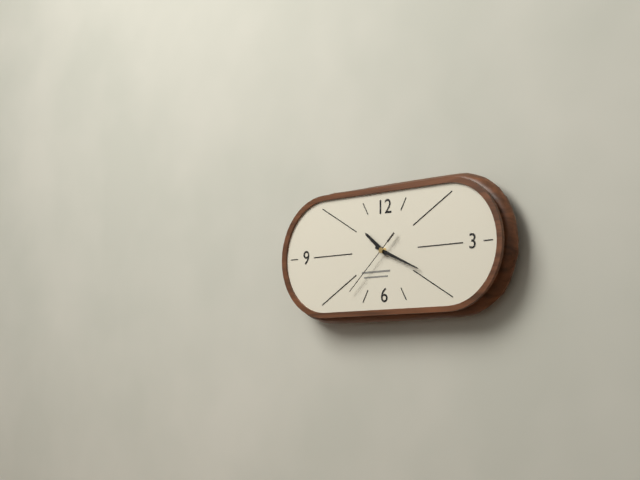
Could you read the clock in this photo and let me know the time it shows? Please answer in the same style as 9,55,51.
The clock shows 10,19,38
